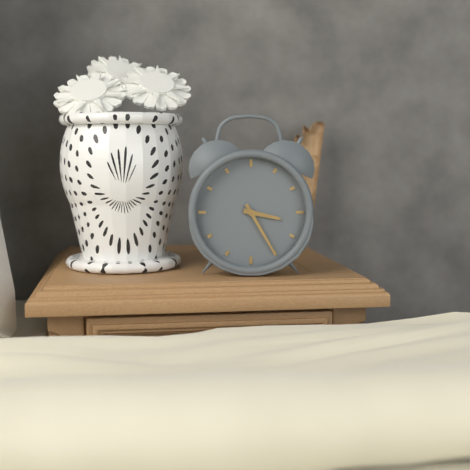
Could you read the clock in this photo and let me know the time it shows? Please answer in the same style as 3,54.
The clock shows 3,25
